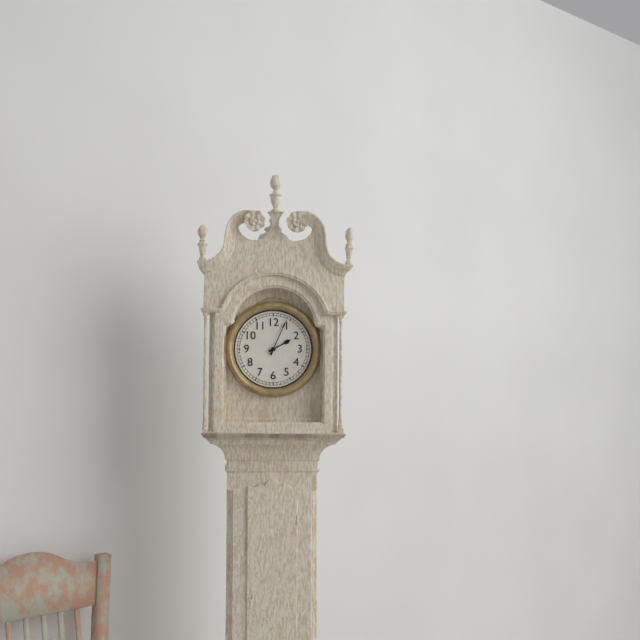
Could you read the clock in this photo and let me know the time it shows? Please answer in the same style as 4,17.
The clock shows 2,04
